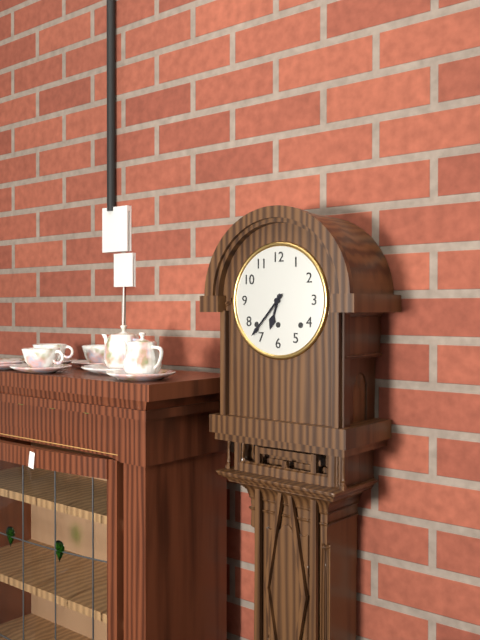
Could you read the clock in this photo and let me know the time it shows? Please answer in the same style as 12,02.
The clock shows 6,37
